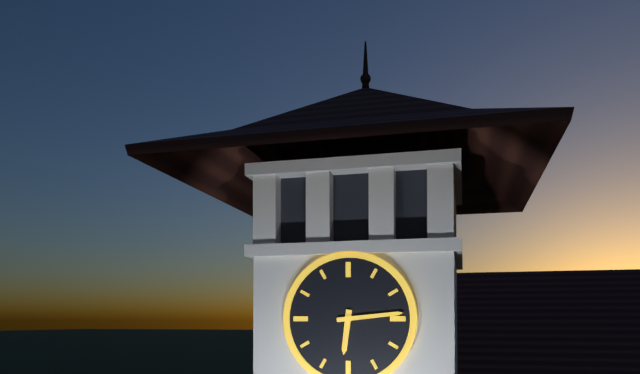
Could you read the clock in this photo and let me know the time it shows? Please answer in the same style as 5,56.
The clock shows 6,14
